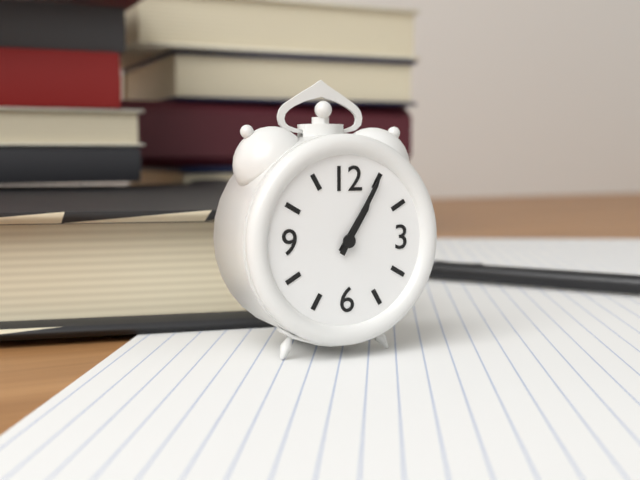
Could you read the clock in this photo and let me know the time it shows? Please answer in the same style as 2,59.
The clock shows 1,05
